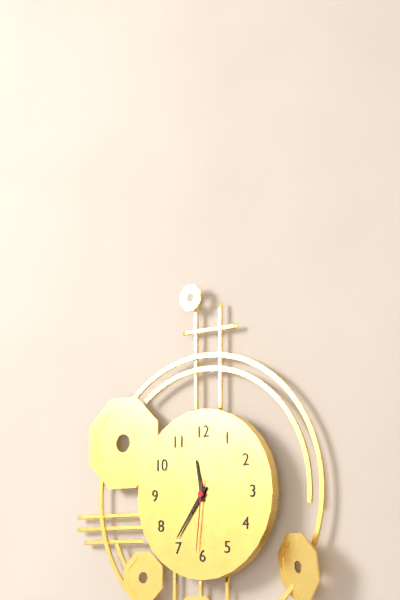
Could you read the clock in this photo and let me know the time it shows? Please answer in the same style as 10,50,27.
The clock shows 11,36,31
